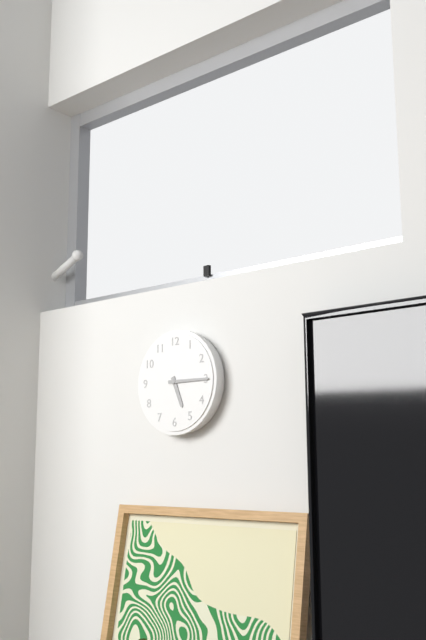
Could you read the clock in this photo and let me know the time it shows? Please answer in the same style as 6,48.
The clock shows 5,15
